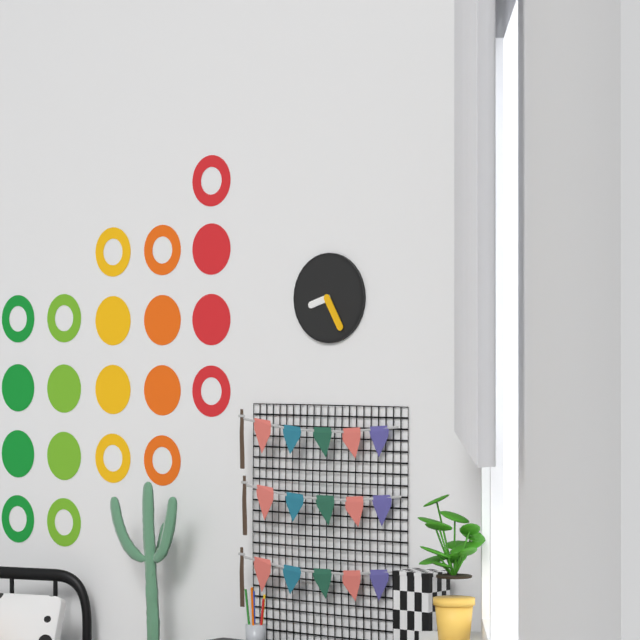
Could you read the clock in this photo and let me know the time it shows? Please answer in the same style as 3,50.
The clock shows 8,25
